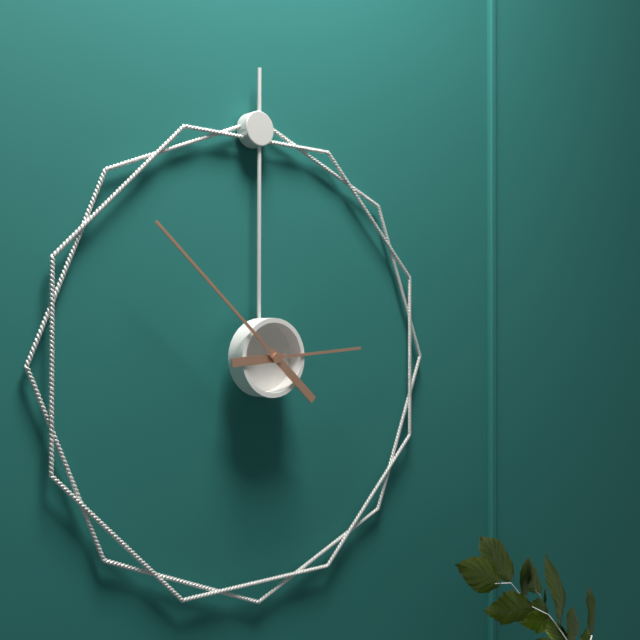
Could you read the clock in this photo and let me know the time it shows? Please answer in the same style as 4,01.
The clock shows 2,52
